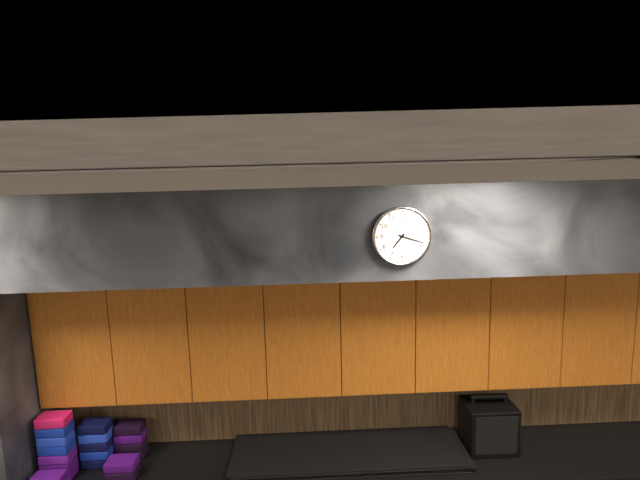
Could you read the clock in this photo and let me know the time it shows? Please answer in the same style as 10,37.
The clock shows 7,18
